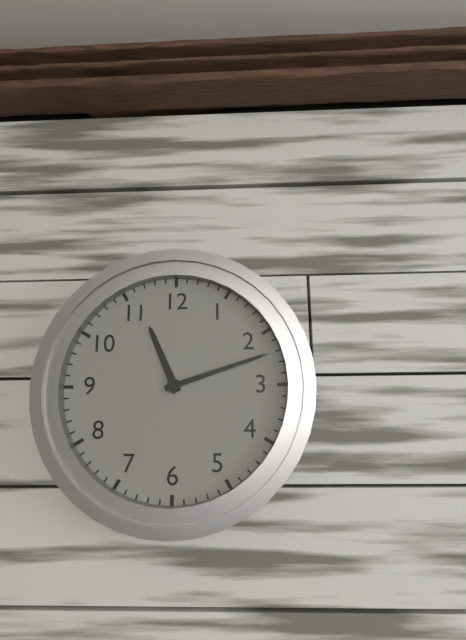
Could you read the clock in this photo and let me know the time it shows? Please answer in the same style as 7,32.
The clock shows 11,12
